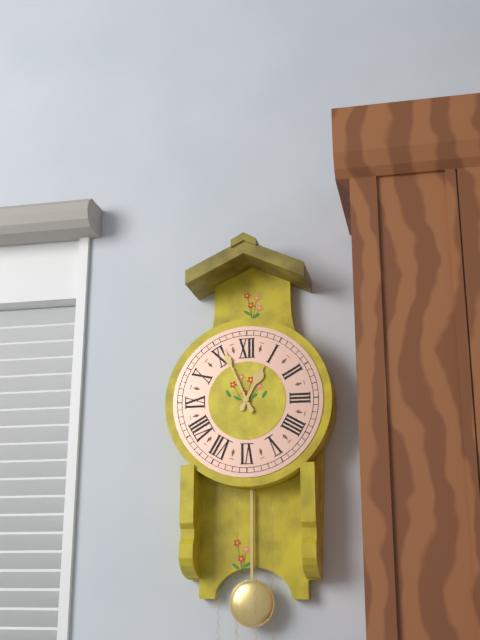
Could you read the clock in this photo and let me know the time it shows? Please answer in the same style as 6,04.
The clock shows 12,56
